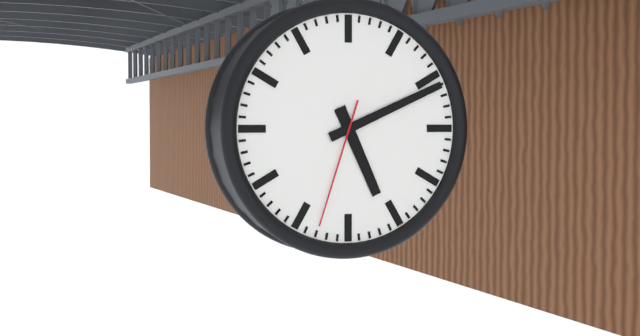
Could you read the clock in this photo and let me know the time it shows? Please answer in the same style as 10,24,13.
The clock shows 5,11,33
